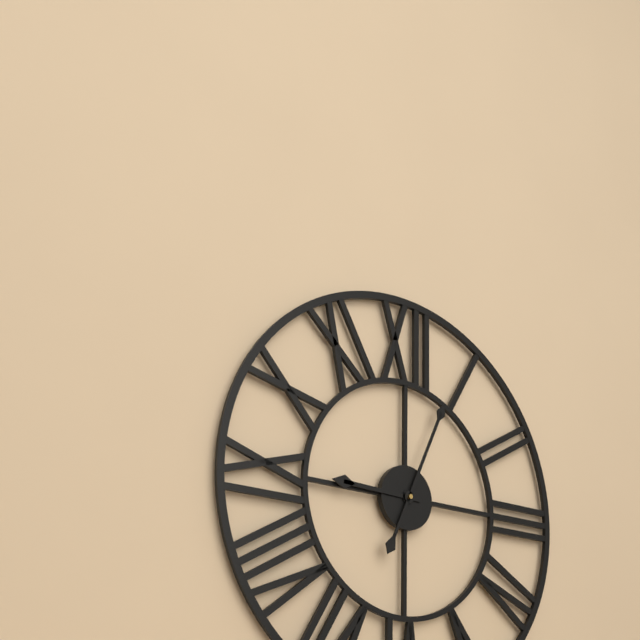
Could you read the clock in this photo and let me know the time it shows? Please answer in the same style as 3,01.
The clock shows 9,04
